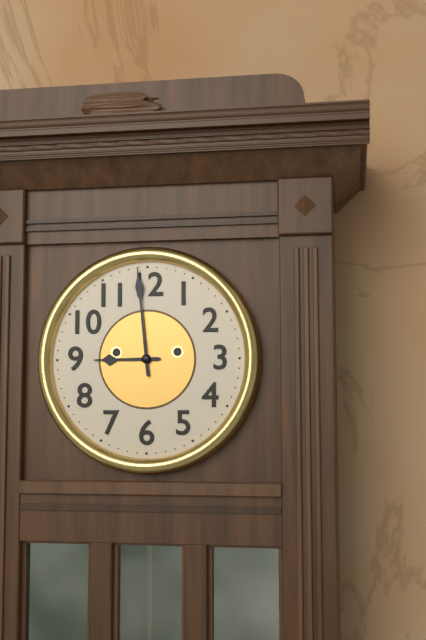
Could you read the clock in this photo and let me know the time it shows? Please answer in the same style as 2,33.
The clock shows 8,59
